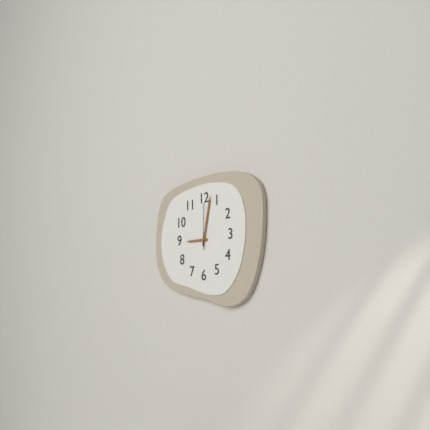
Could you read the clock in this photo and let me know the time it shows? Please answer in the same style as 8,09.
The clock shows 9,02
